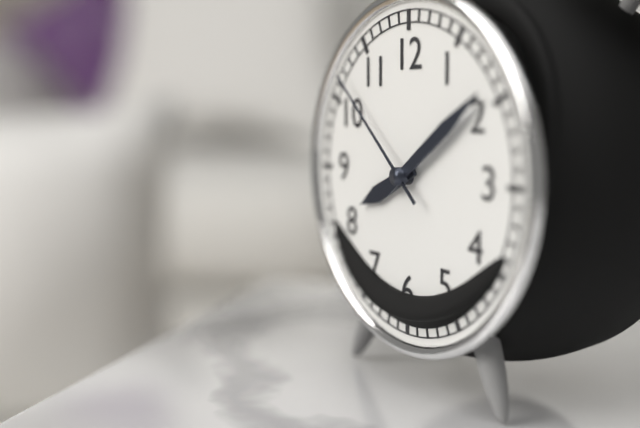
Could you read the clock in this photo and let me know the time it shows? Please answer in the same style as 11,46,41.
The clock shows 8,09,52
